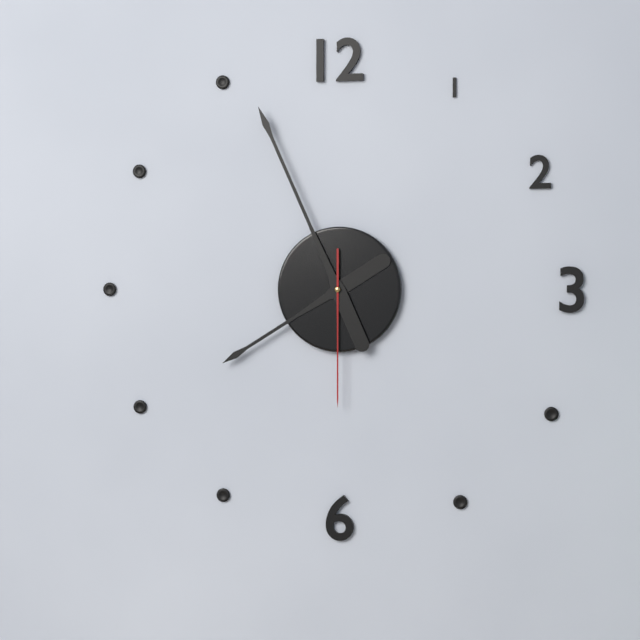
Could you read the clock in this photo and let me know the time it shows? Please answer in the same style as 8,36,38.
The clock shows 7,56,30
